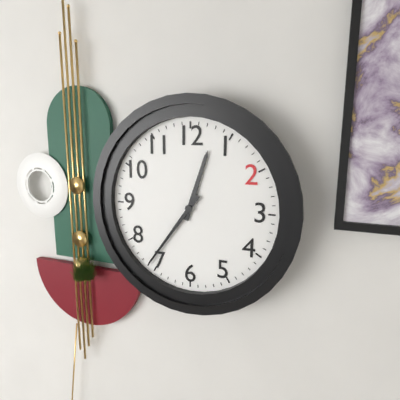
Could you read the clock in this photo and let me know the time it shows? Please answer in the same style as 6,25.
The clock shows 12,36
